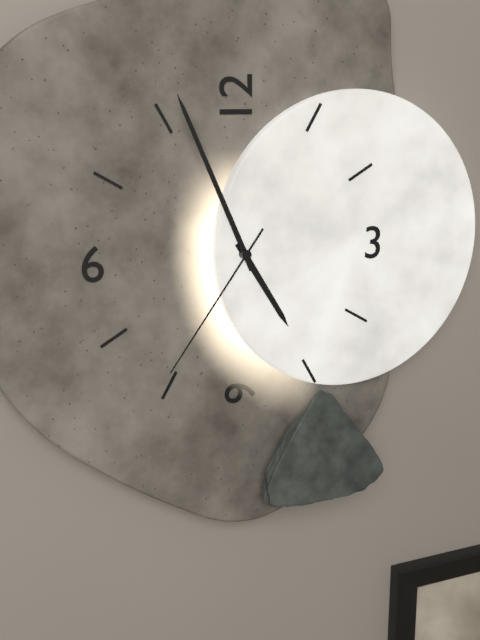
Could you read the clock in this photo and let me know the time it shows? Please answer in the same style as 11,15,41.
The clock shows 4,56,36
